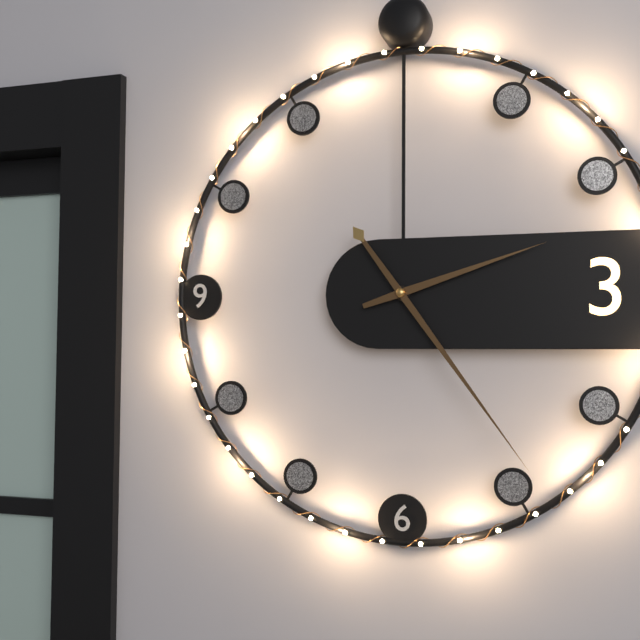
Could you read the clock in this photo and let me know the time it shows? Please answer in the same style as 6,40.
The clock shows 2,24
